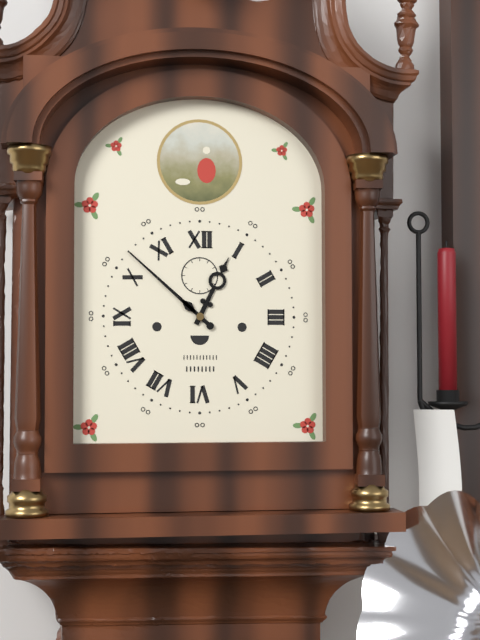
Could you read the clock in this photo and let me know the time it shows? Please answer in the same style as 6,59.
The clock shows 12,52
